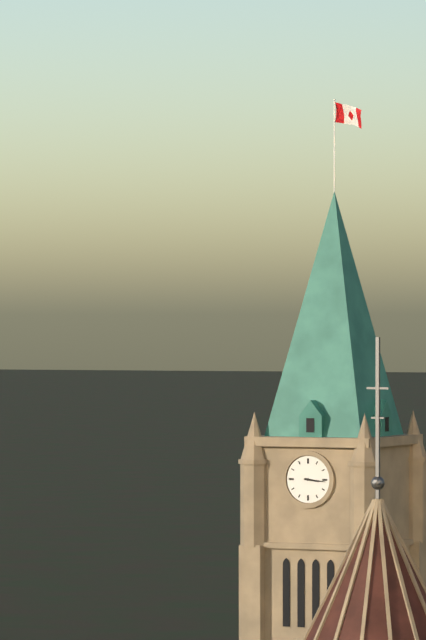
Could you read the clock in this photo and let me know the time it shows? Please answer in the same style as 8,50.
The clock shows 3,16
